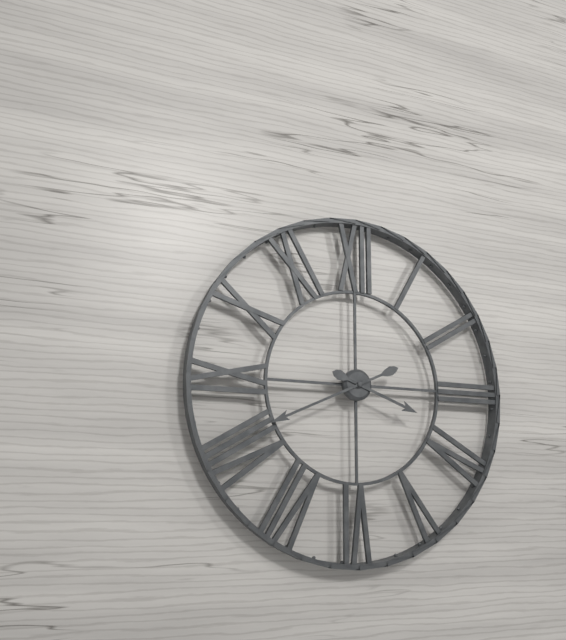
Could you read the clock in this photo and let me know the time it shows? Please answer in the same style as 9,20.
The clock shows 3,41
